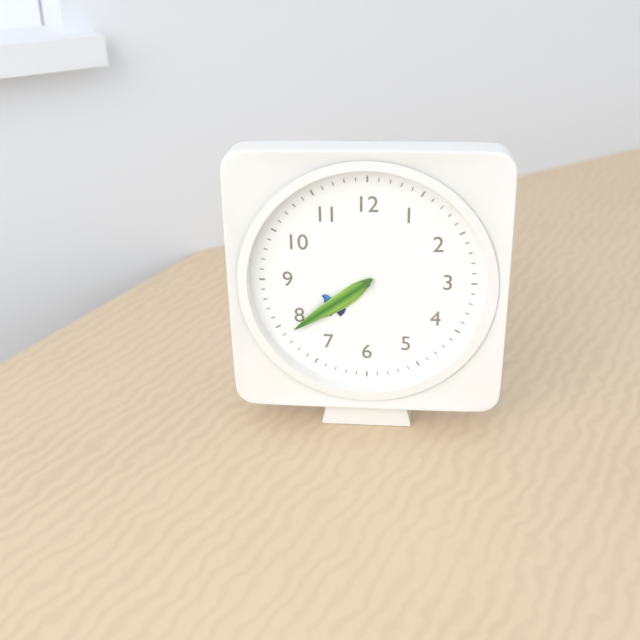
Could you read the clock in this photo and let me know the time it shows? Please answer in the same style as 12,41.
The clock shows 7,39
